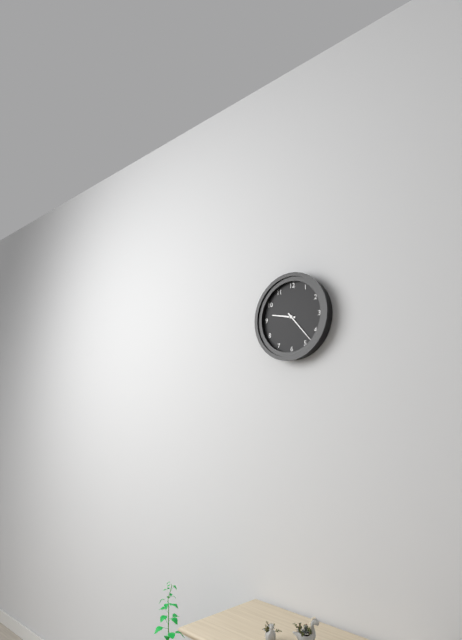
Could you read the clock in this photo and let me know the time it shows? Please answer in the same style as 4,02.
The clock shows 9,23
